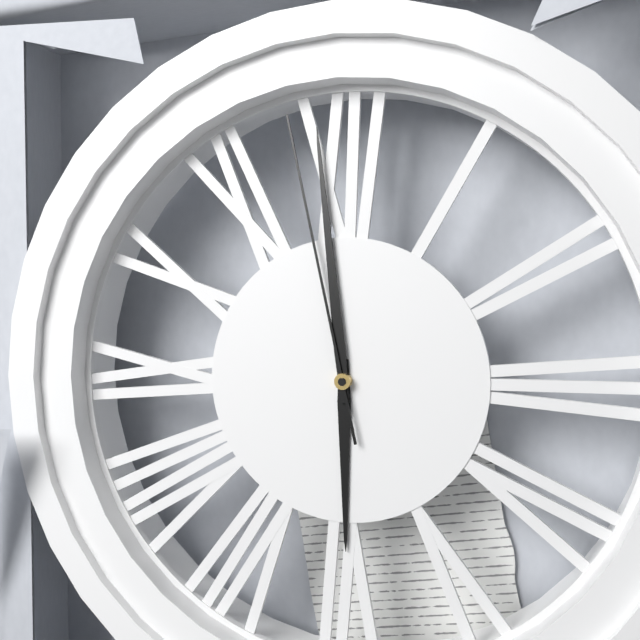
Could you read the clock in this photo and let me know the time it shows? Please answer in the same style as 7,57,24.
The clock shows 5,59,58
